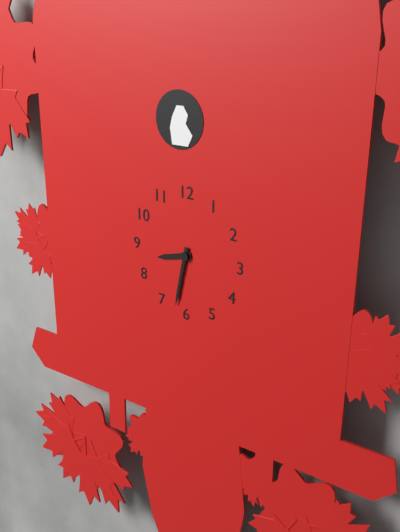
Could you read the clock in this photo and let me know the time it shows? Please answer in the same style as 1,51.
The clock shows 8,32
